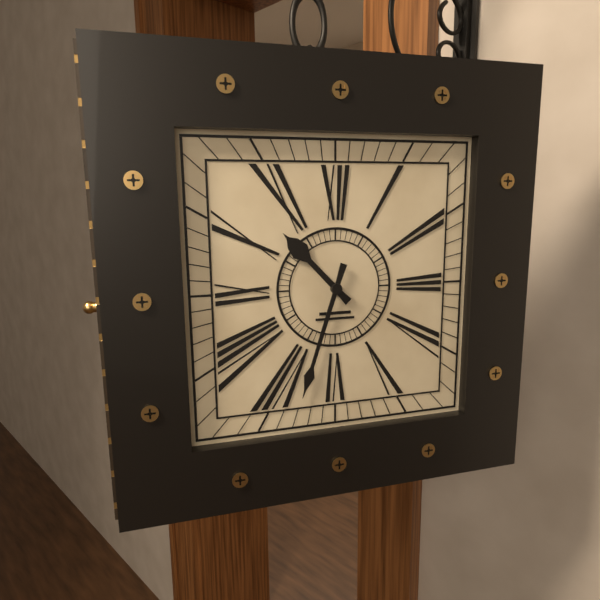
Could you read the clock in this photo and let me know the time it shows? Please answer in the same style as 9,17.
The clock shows 10,33
